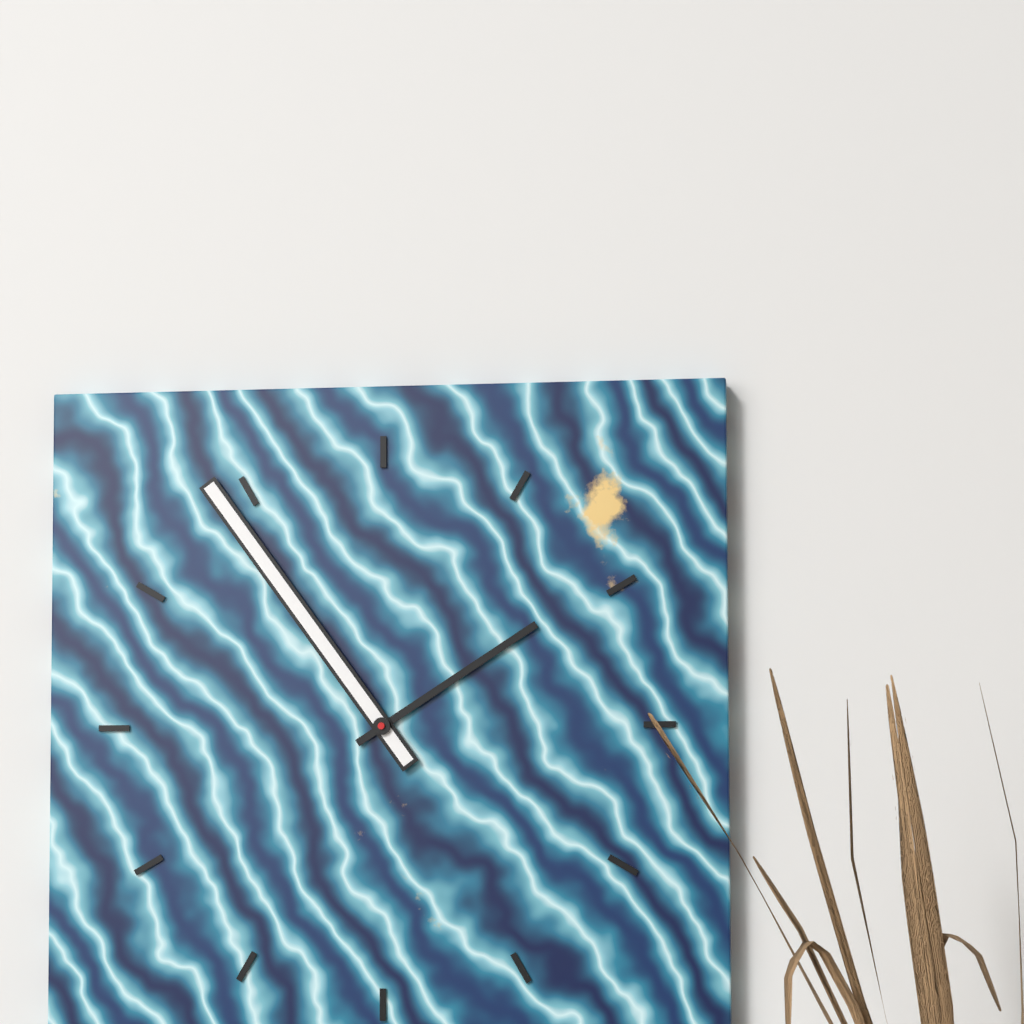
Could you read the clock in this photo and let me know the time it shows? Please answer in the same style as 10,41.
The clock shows 1,54
